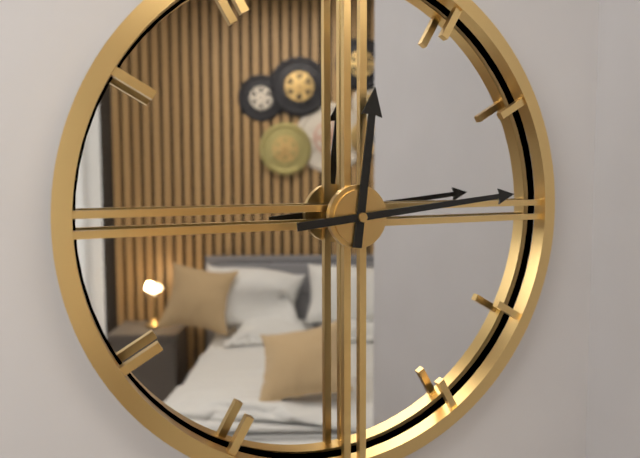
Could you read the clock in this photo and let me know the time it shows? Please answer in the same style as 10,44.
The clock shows 12,14
